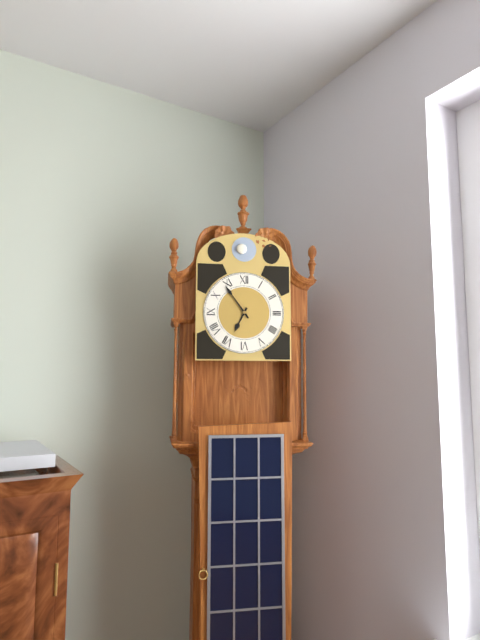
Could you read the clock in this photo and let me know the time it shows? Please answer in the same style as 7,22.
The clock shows 6,54
